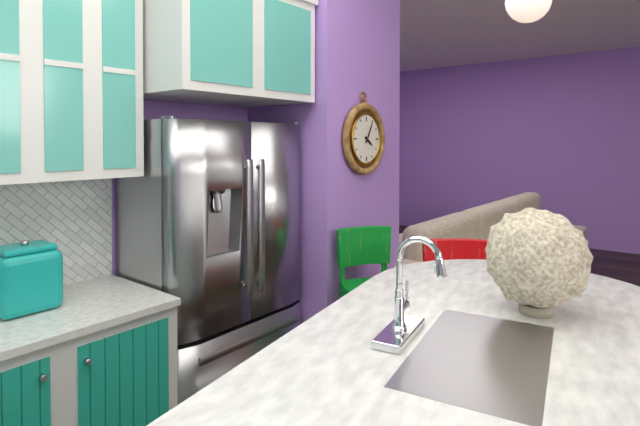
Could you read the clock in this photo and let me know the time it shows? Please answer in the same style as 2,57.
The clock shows 4,05
